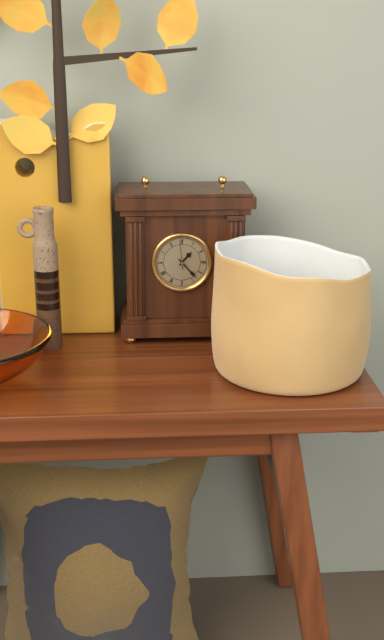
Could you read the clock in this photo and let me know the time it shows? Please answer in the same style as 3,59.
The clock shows 1,23
